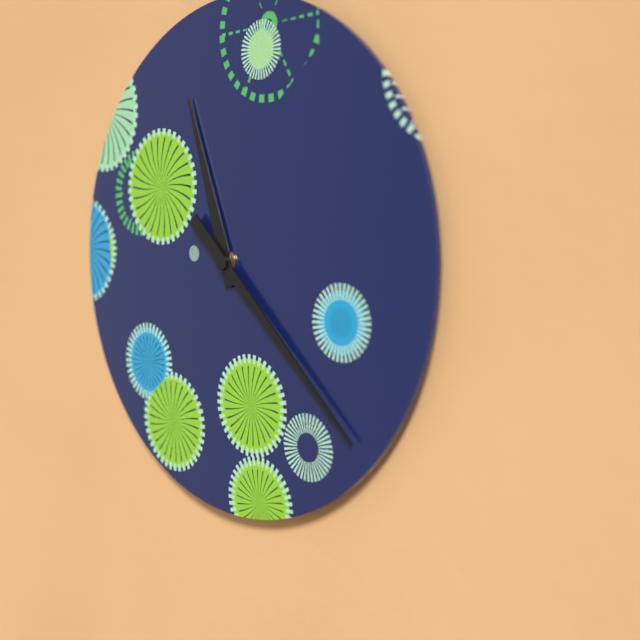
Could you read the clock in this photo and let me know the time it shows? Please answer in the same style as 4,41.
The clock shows 11,22
